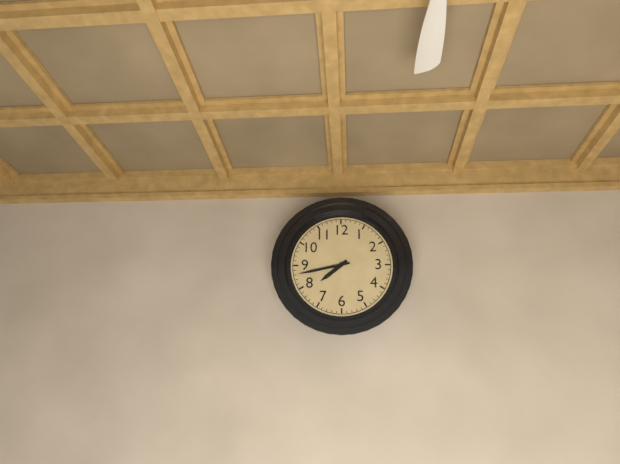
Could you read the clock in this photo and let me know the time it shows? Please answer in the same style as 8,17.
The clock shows 7,43
